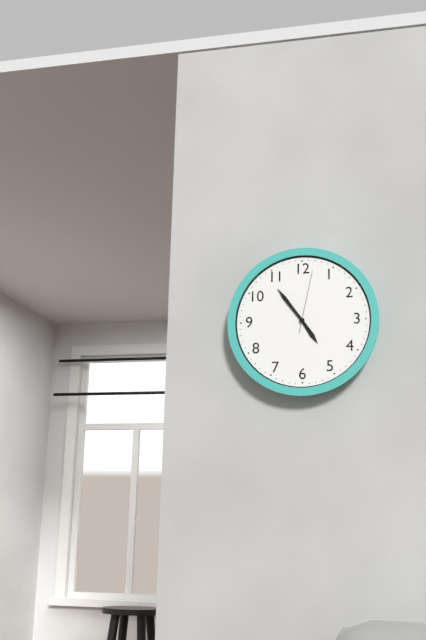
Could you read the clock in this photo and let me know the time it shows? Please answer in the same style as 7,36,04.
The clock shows 4,54,02
